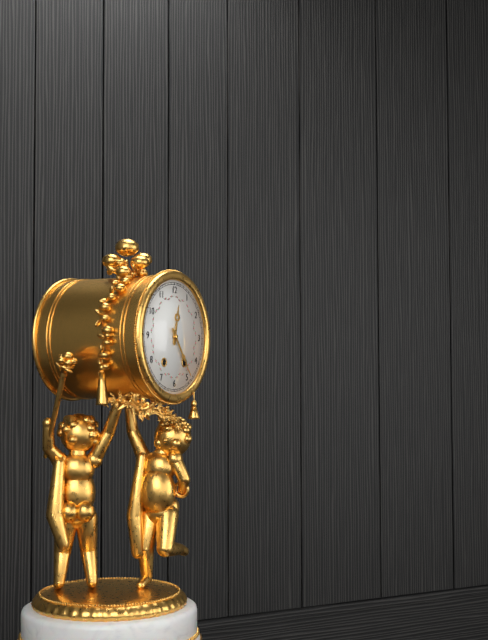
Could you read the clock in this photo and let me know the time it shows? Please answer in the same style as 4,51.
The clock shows 12,24
